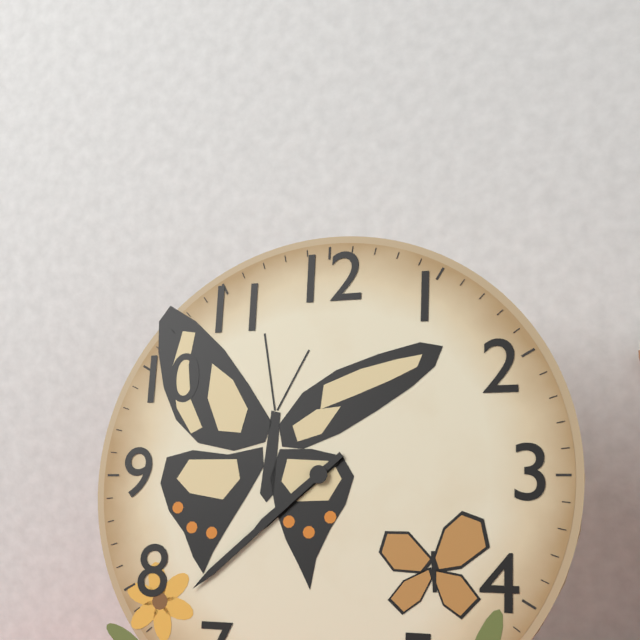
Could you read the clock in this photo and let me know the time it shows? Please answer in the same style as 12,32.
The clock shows 7,38
